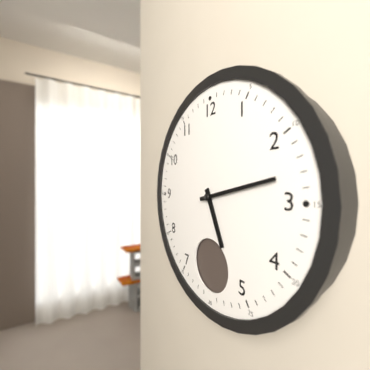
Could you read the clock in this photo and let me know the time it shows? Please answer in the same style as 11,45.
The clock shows 5,13
